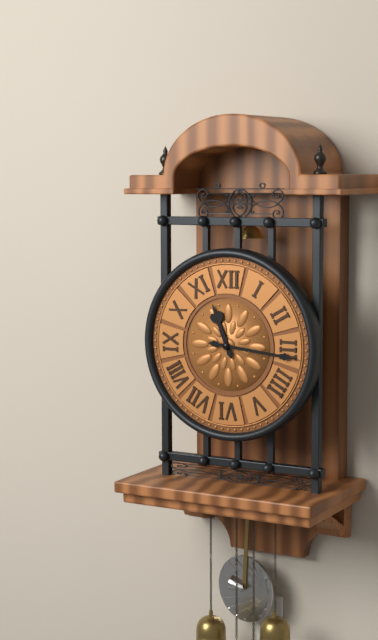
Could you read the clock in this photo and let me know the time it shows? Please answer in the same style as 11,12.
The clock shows 11,16
